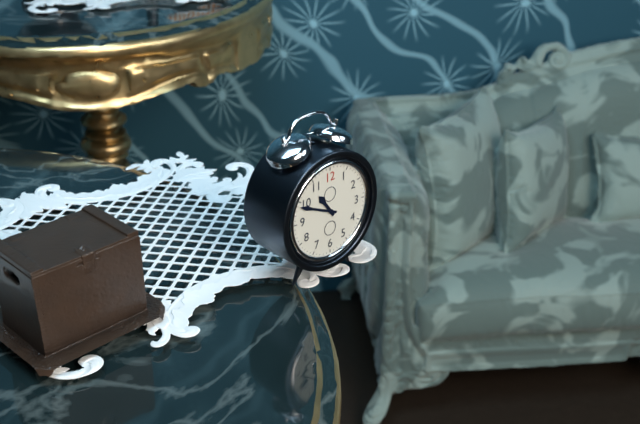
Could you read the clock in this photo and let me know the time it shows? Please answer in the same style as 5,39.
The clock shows 10,49
